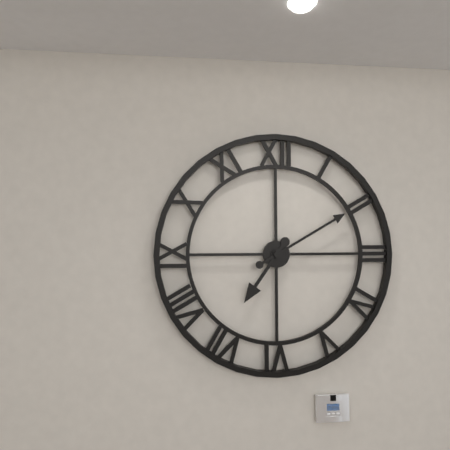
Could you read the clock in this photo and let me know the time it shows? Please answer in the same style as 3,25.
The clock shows 7,10
